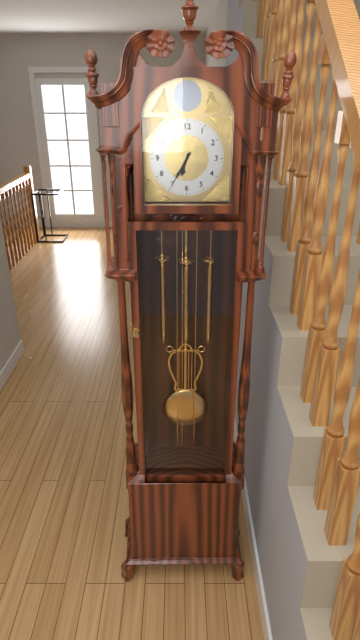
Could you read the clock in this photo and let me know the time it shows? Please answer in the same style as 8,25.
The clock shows 6,35
